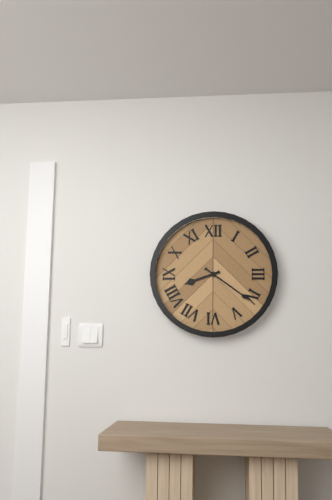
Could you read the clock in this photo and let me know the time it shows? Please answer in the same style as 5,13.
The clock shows 8,21
